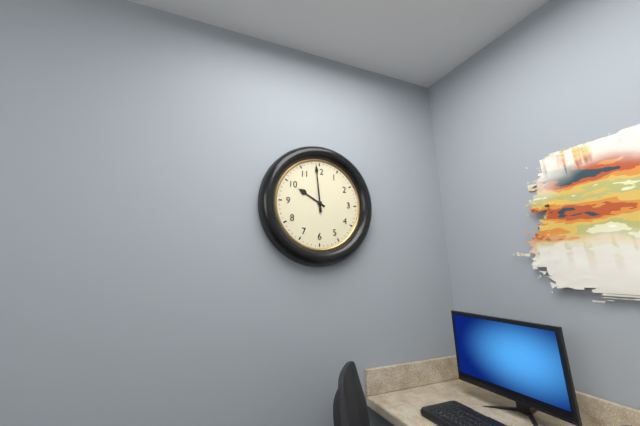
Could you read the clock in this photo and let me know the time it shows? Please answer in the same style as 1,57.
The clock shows 9,59
